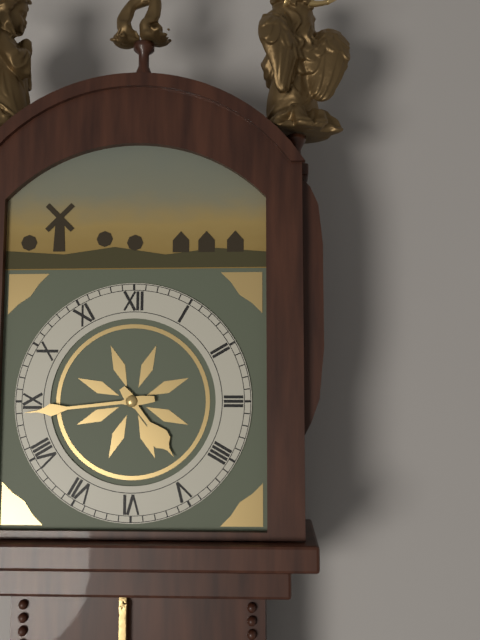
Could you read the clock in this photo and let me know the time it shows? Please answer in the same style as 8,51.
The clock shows 4,44
